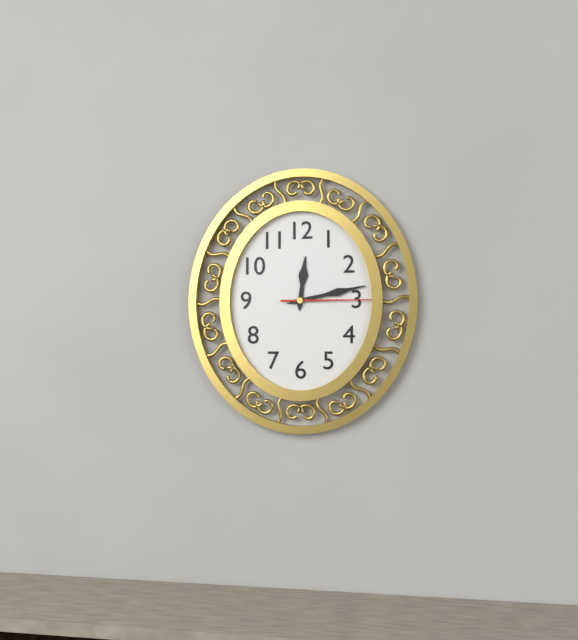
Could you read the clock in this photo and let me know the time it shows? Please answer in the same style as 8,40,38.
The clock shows 12,13,15
